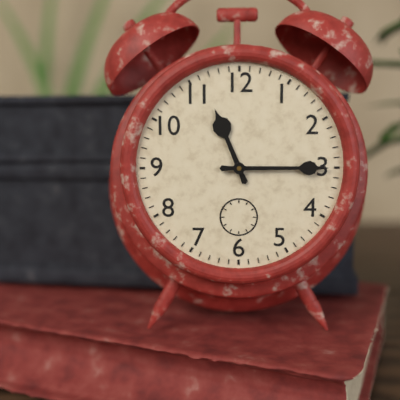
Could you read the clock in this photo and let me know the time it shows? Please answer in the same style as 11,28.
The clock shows 11,15
